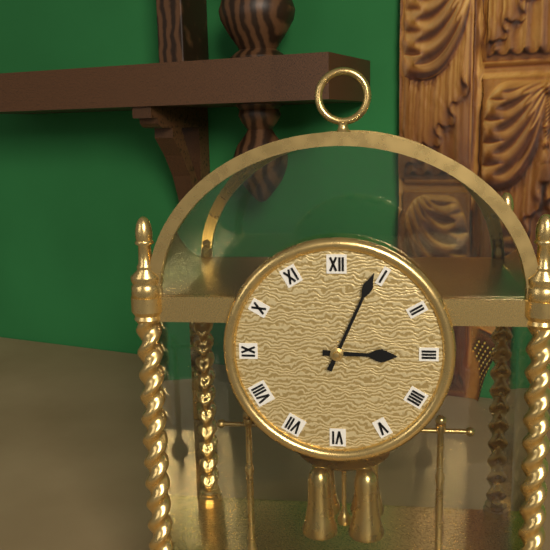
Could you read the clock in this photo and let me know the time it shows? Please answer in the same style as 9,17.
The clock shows 3,04
